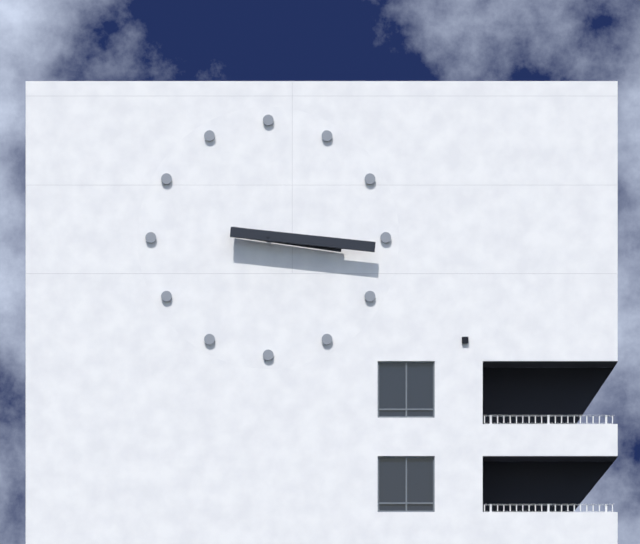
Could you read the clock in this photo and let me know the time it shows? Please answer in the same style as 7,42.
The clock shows 3,16
